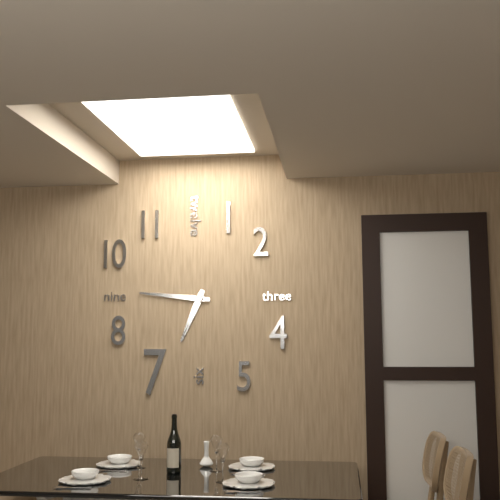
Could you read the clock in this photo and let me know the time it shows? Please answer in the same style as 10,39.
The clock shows 6,46
